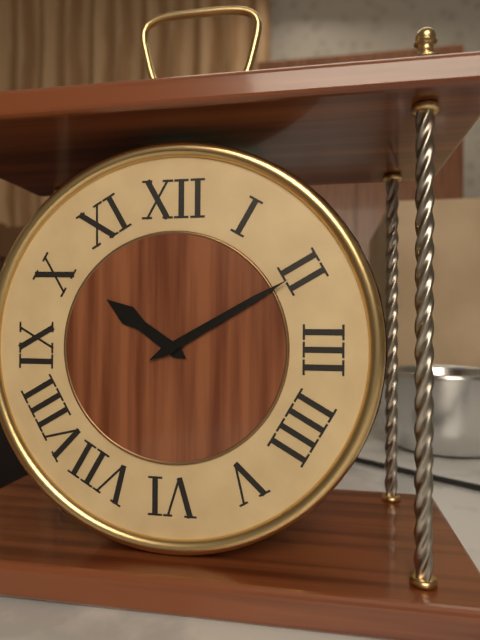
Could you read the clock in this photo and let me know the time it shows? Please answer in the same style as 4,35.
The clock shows 10,10
